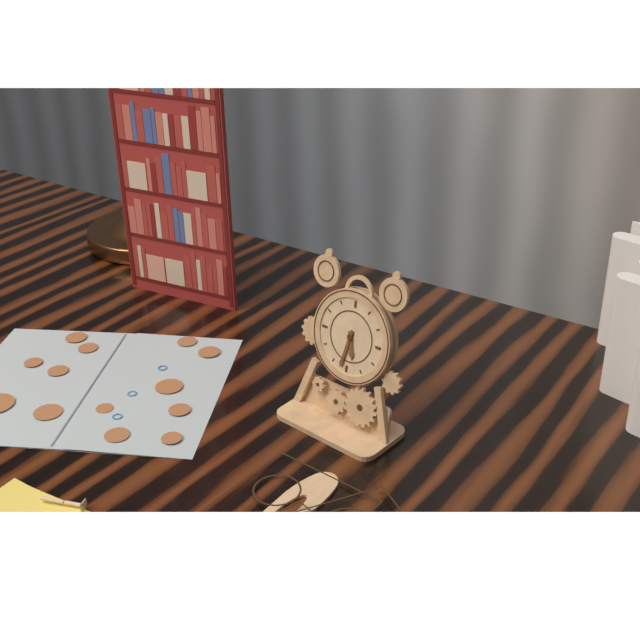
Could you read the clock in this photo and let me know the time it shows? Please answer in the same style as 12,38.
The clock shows 5,32
